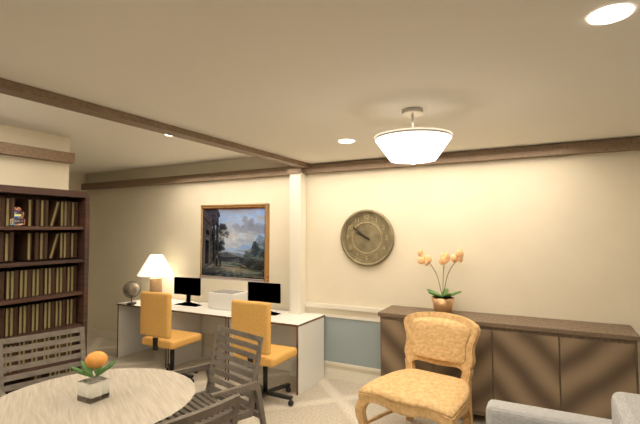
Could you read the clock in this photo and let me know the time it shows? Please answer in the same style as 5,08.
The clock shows 9,51
